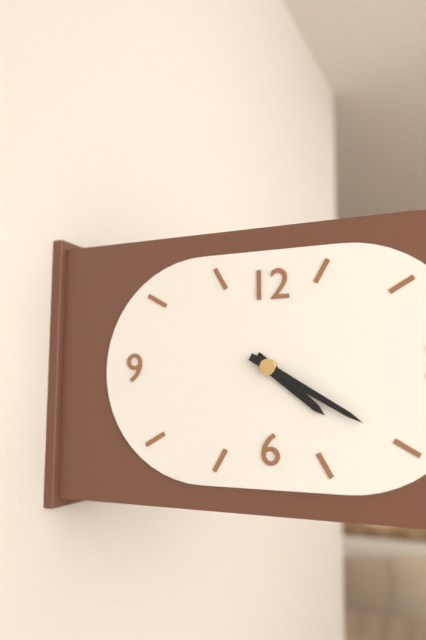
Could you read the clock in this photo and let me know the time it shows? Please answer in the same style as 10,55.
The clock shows 4,20
